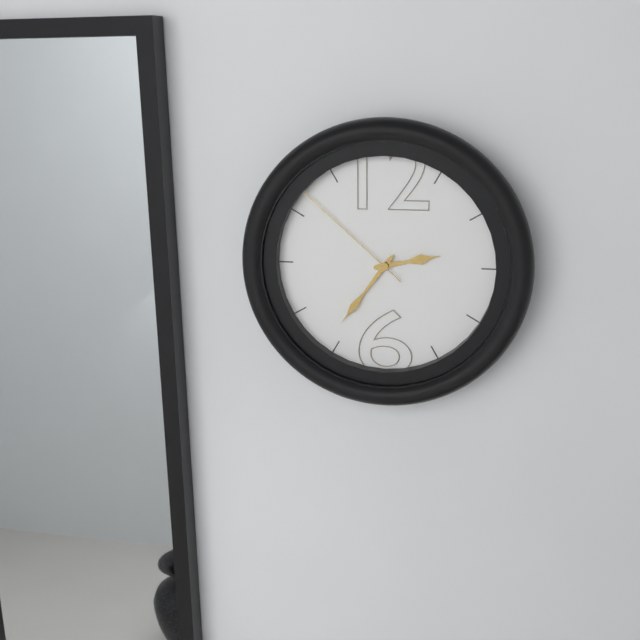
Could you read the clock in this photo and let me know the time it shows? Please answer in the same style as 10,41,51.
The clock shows 2,36,52
